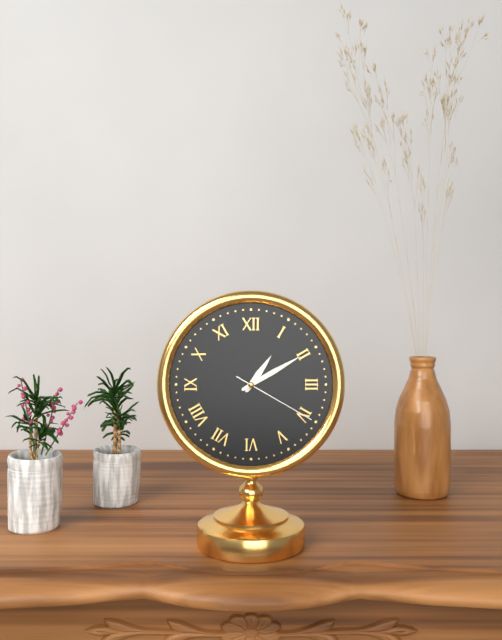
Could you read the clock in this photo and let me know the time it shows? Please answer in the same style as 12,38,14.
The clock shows 1,10,20
